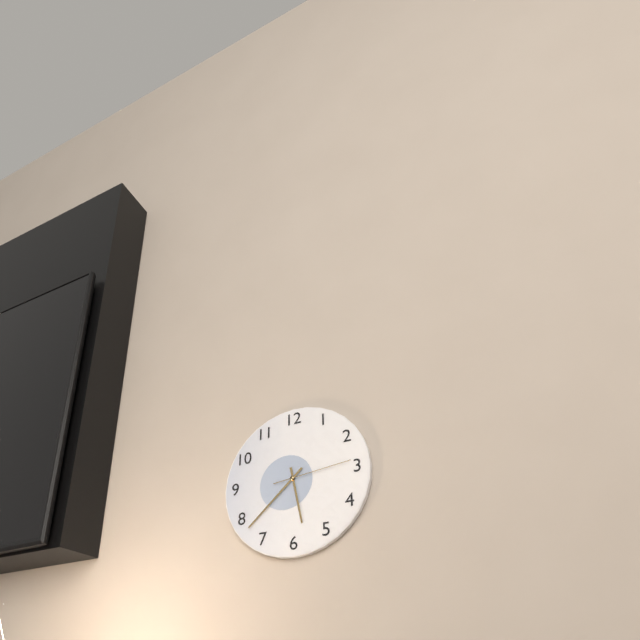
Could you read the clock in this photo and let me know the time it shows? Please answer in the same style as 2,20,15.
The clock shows 5,38,14
